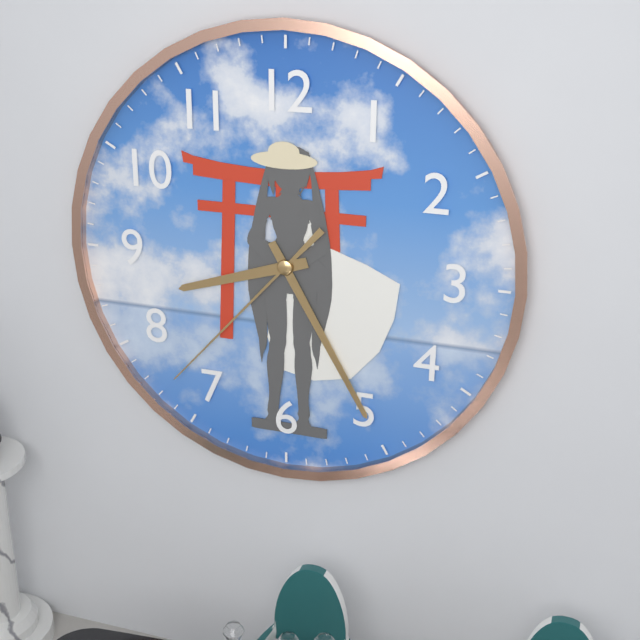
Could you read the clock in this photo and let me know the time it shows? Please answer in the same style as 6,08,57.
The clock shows 8,25,37
